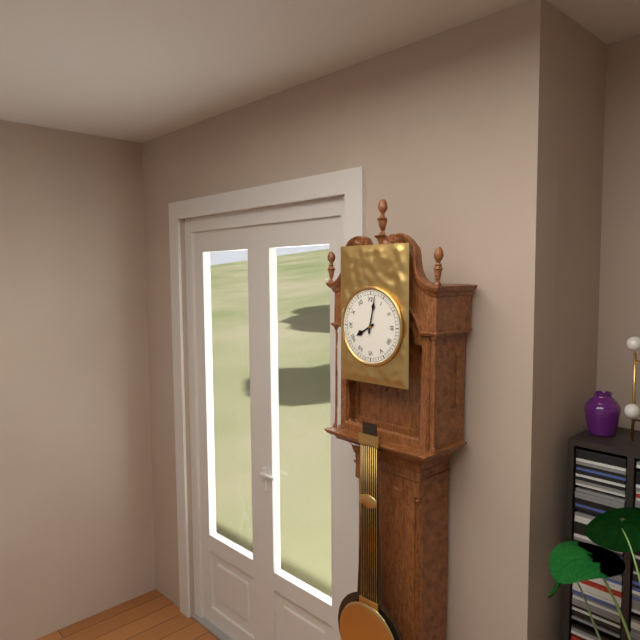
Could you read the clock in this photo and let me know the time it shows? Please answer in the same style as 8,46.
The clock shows 8,02
